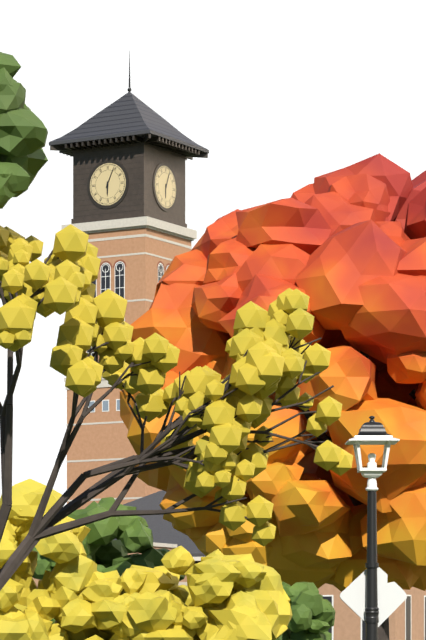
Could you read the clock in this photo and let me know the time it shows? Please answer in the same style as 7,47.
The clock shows 6,04
